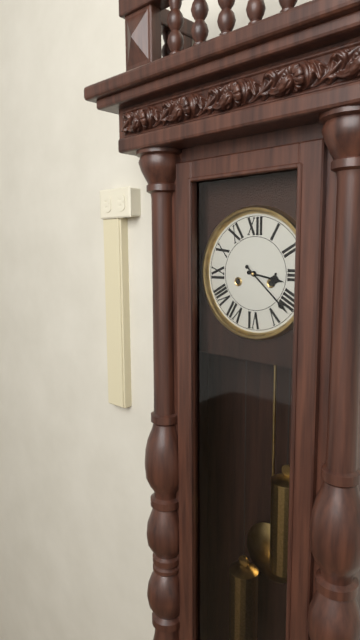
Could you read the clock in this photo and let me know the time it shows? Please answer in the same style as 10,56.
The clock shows 3,22
